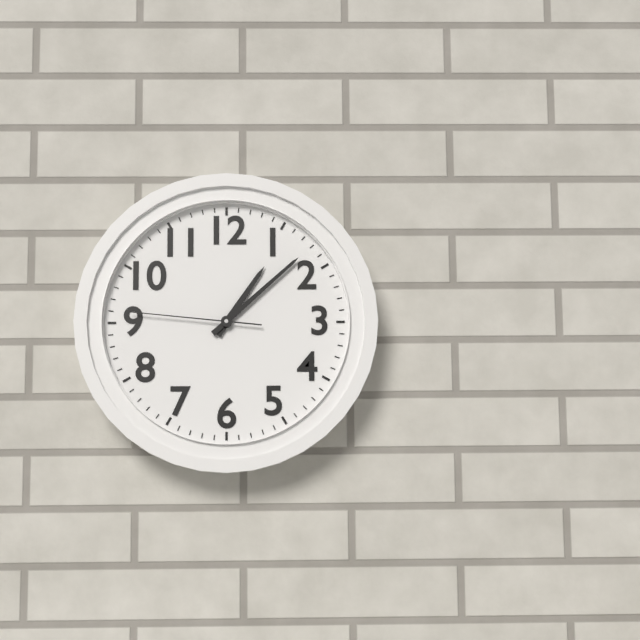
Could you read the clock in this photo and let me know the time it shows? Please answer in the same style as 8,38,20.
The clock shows 1,08,46
